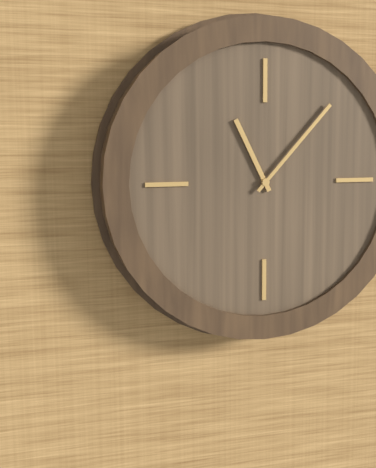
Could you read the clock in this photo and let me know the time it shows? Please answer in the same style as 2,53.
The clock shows 11,07
